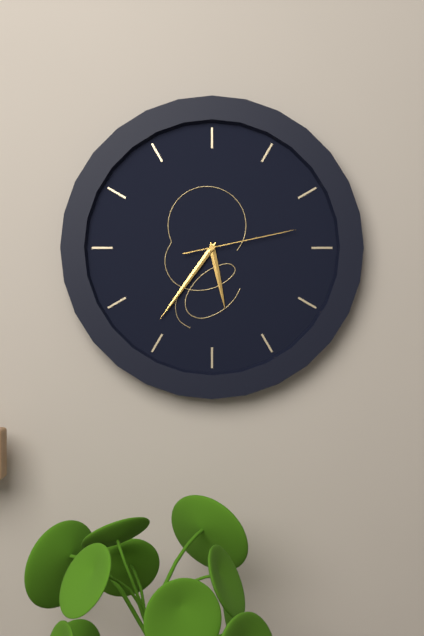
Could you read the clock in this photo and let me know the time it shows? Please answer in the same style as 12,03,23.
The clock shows 5,36,13
